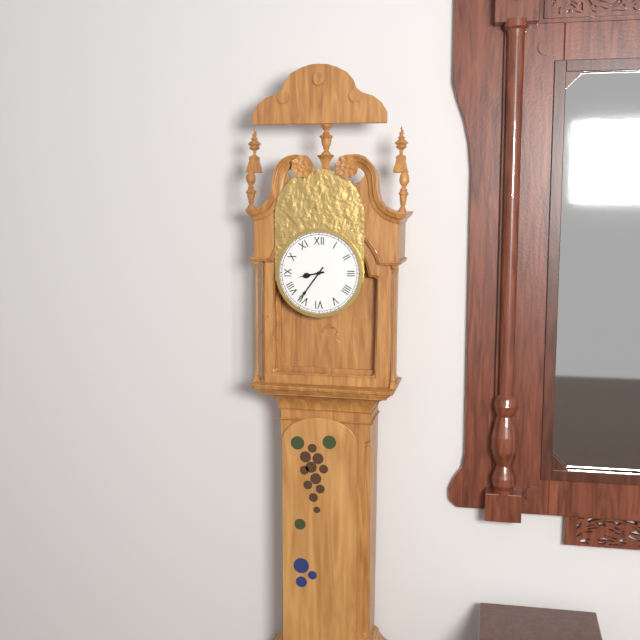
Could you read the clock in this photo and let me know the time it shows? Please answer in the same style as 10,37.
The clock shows 8,36
